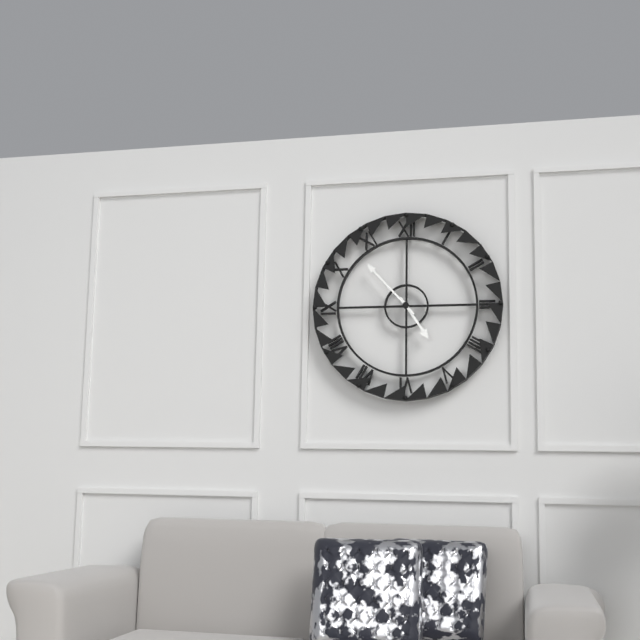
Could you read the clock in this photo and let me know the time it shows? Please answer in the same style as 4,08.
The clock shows 4,53
